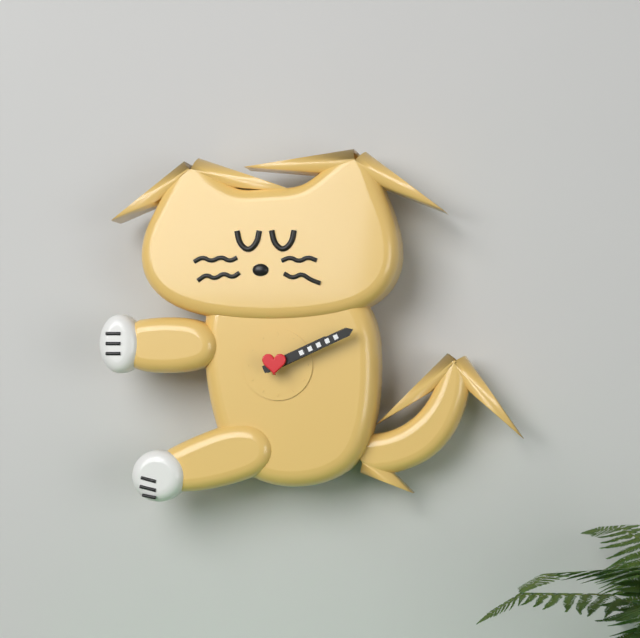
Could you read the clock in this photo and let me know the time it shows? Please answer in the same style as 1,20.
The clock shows 2,11
